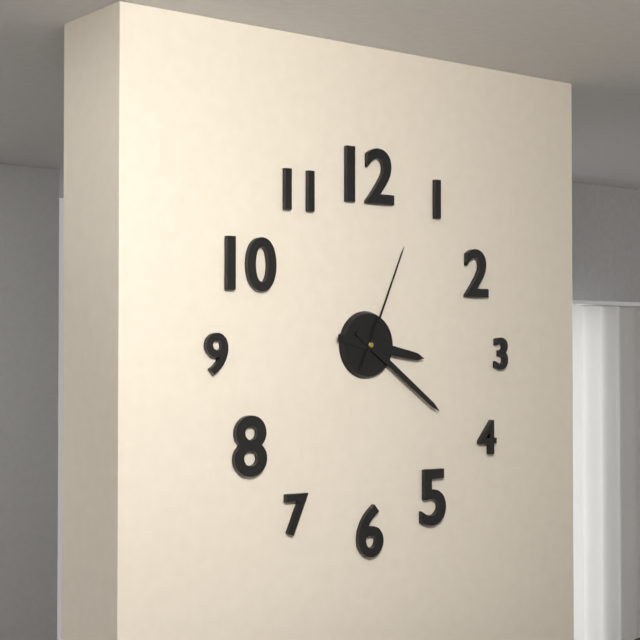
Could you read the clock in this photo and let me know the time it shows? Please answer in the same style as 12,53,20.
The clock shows 3,21,04
